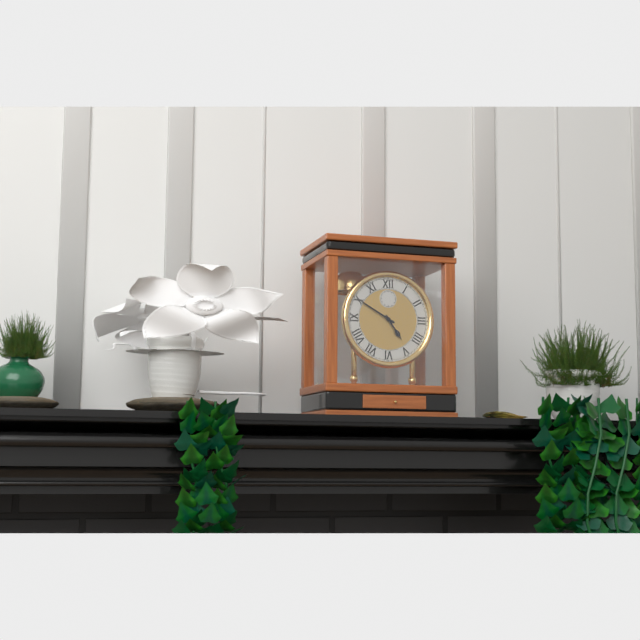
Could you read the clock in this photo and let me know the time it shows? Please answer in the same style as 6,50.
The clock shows 4,50
